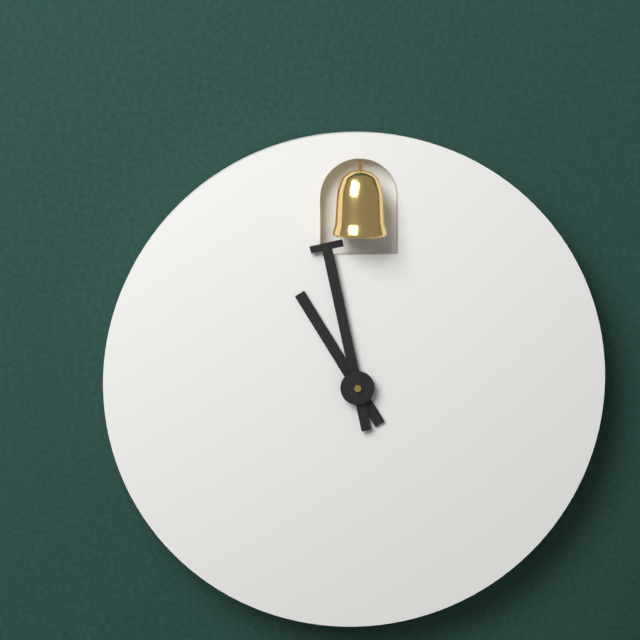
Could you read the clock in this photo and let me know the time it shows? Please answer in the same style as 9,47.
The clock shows 10,58
